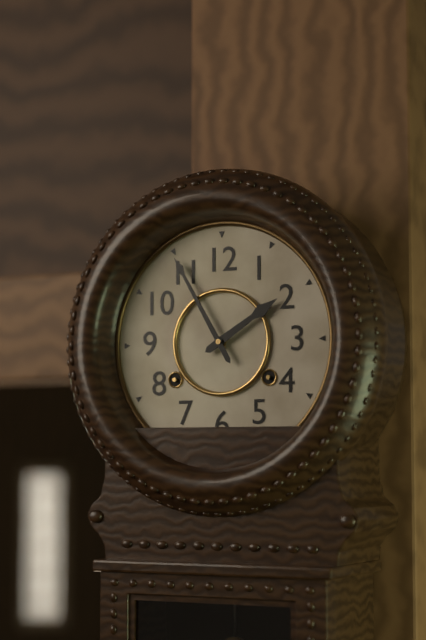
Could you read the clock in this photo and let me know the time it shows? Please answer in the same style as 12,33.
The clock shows 1,55
